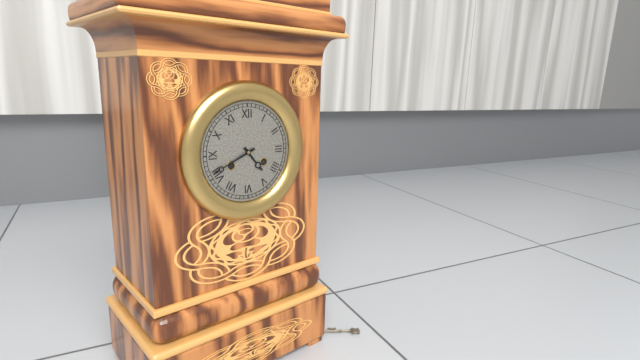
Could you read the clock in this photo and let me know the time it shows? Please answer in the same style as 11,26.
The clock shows 4,41
